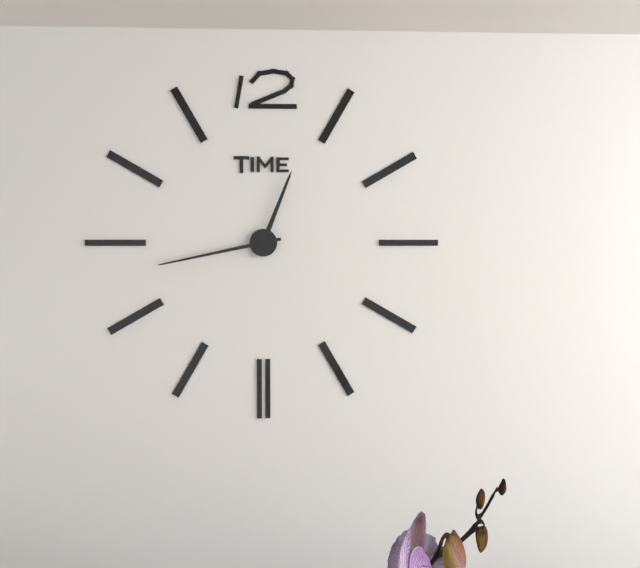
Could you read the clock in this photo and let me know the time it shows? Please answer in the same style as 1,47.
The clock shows 12,43
